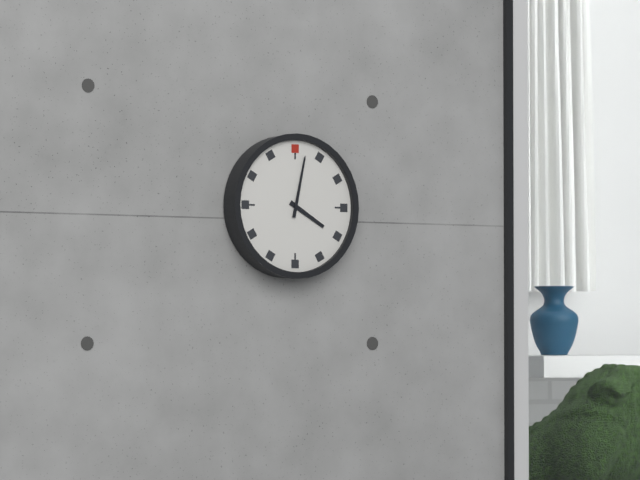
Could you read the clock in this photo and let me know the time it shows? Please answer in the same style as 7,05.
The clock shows 4,02
